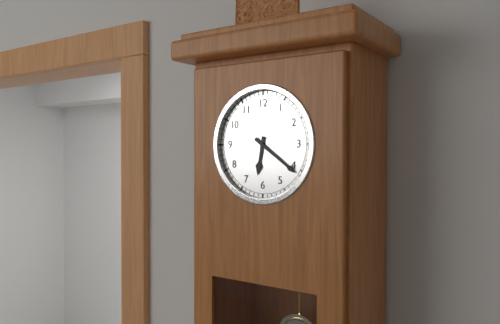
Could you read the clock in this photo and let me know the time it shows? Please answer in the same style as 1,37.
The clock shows 6,21
